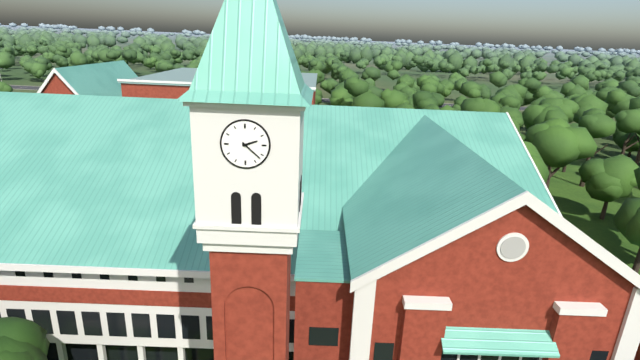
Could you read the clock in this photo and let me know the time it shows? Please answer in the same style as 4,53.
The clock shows 2,22
